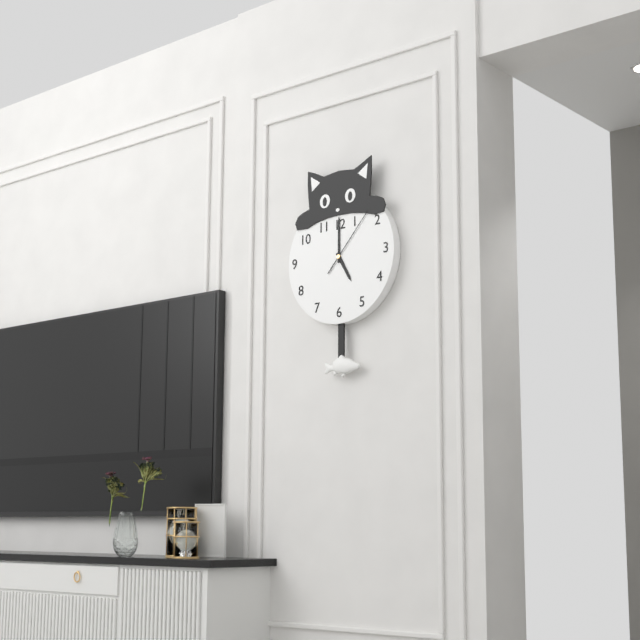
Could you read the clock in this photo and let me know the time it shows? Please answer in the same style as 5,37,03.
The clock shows 5,00,07
